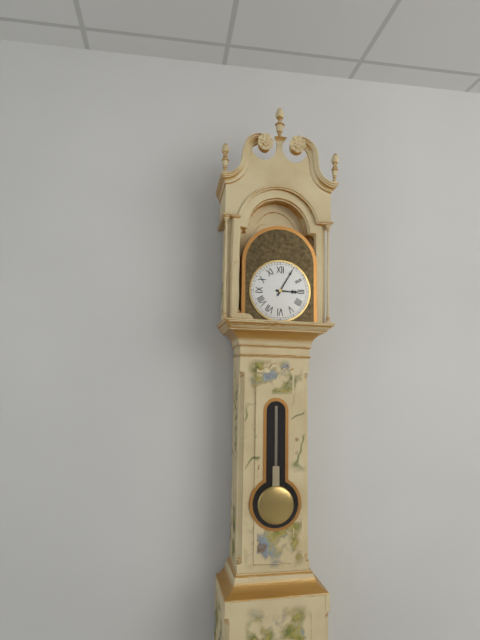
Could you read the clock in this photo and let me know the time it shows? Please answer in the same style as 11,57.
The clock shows 3,05
